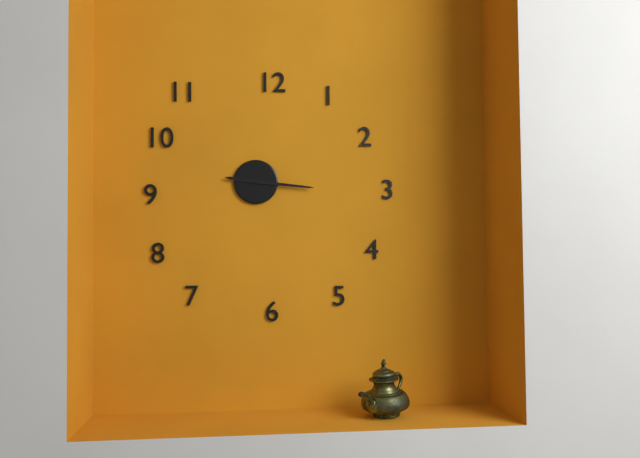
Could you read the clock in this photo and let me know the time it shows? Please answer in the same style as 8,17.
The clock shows 9,16
